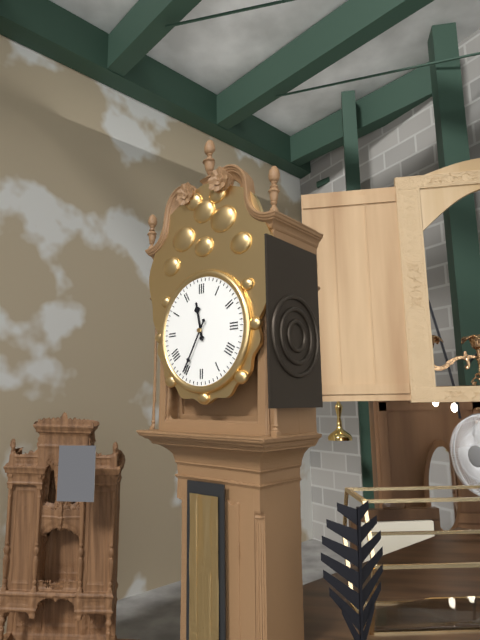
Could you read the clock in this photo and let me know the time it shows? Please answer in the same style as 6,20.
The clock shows 11,35
